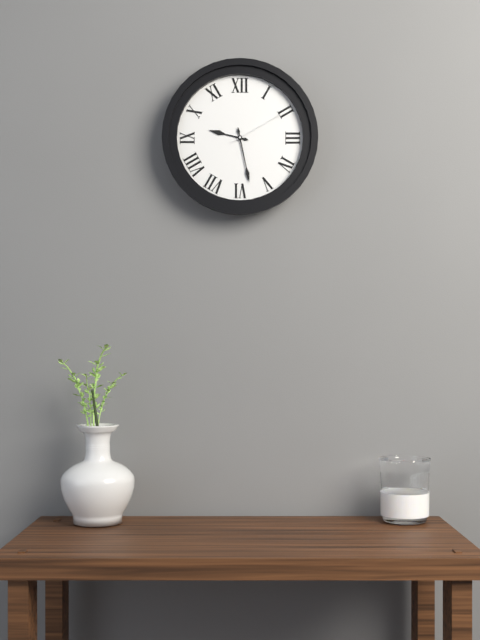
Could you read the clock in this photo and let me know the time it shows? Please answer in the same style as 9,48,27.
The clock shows 9,28,10
